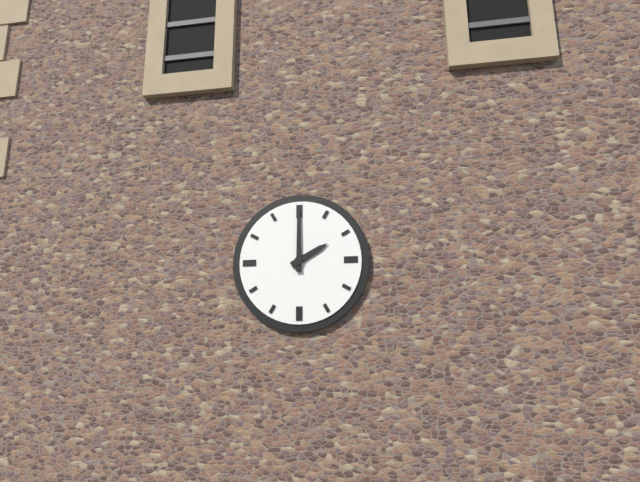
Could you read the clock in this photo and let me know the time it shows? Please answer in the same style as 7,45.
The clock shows 2,00
